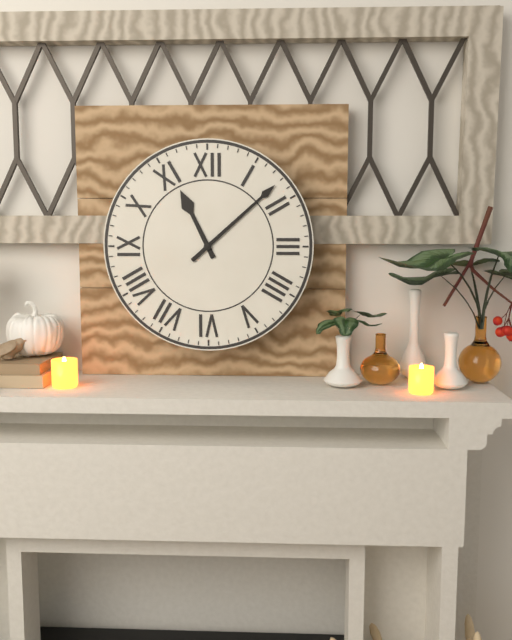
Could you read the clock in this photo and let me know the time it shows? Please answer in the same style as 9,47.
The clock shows 11,08
